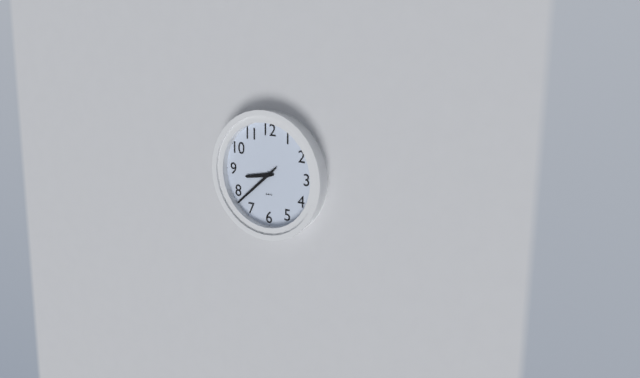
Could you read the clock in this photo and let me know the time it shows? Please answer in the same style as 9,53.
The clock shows 8,38
